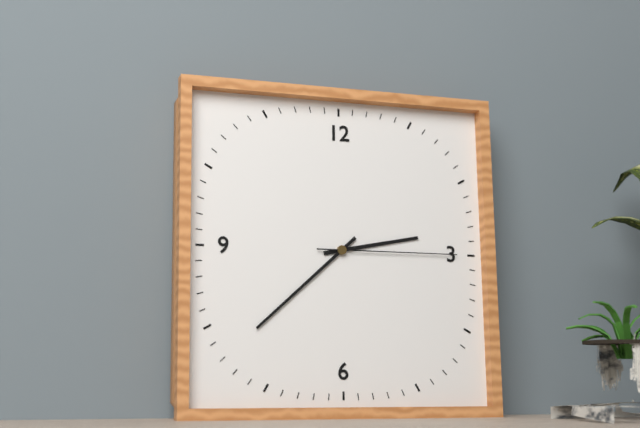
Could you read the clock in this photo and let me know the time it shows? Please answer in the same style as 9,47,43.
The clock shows 2,38,15
